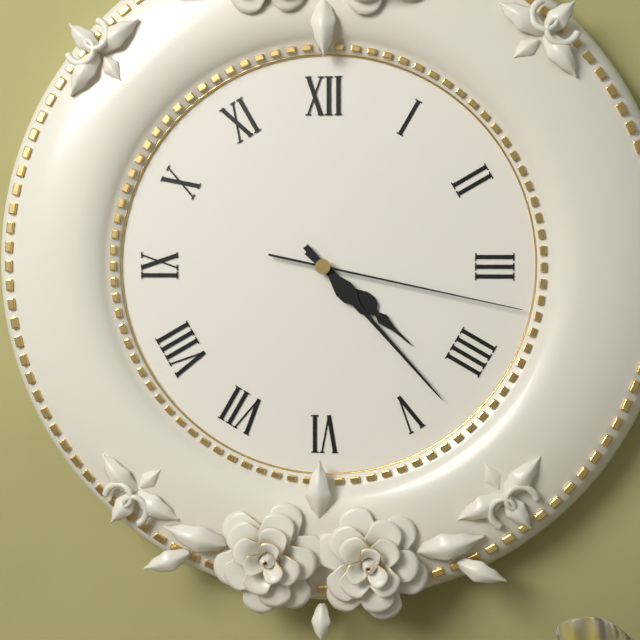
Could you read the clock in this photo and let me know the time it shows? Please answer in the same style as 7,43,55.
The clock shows 4,23,17
